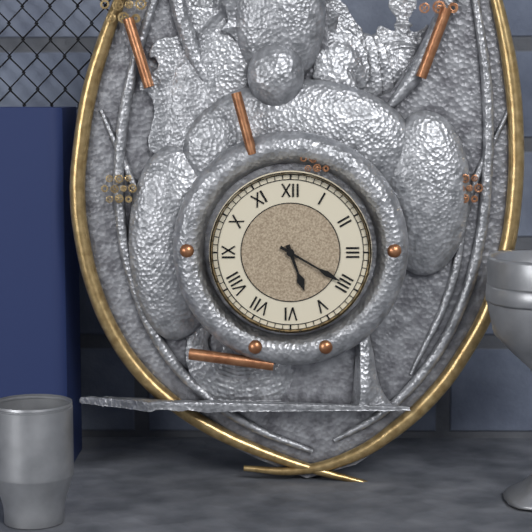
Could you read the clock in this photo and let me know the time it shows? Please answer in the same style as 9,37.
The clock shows 5,20
